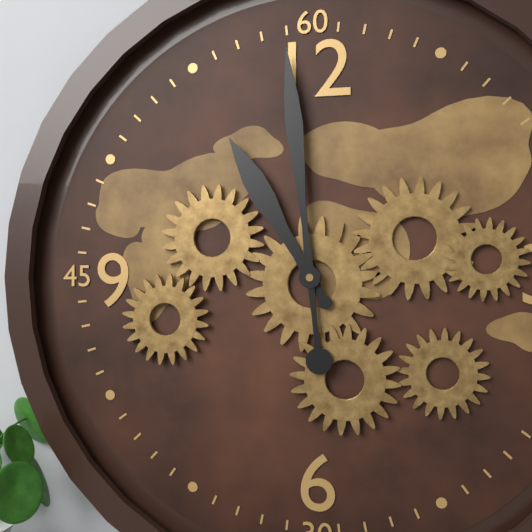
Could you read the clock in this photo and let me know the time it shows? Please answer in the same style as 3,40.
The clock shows 10,59
